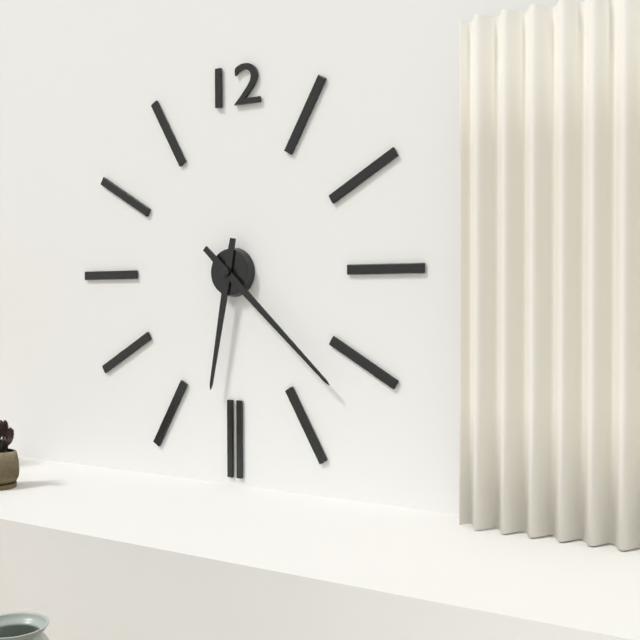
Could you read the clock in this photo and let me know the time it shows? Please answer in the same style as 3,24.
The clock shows 6,22
